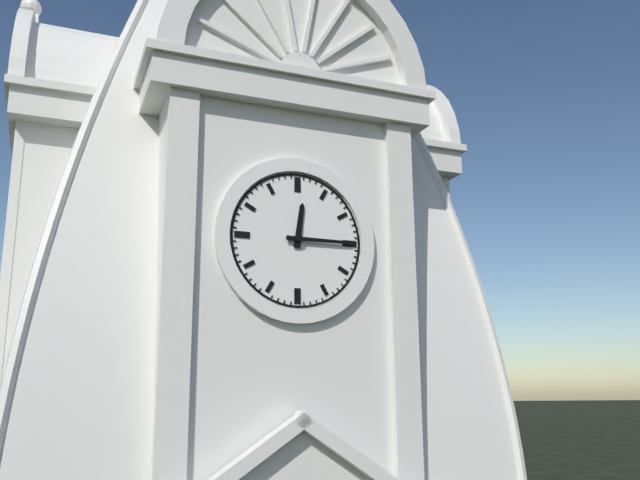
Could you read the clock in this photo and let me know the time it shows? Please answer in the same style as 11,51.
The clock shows 12,15
